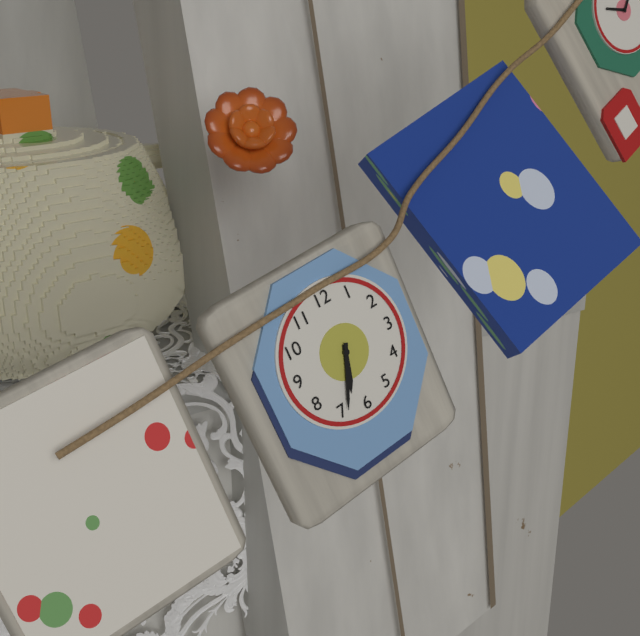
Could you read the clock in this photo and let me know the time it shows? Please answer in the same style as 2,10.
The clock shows 6,34
